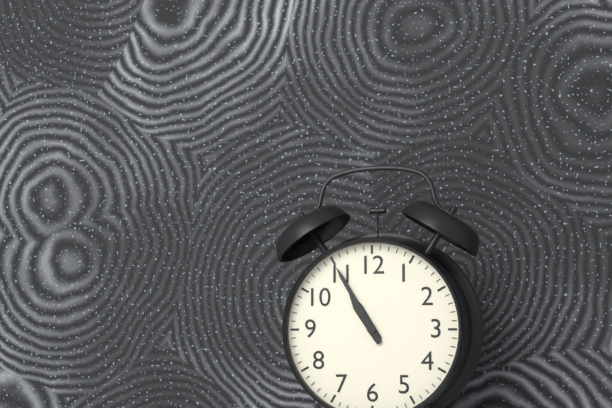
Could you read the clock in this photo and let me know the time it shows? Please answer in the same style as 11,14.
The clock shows 10,55
